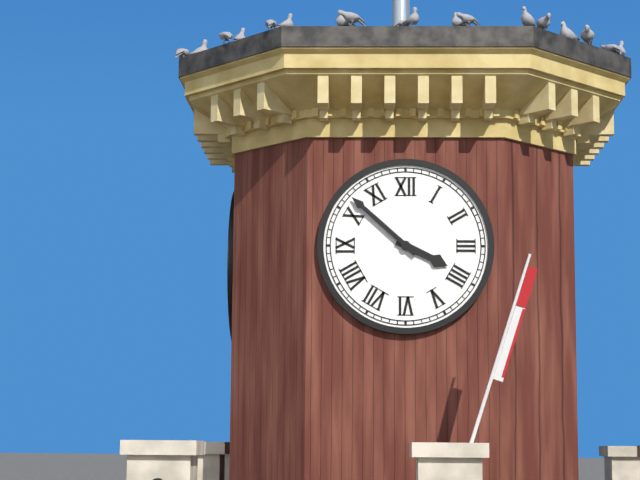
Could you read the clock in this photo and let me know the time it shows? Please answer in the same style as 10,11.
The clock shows 3,52
